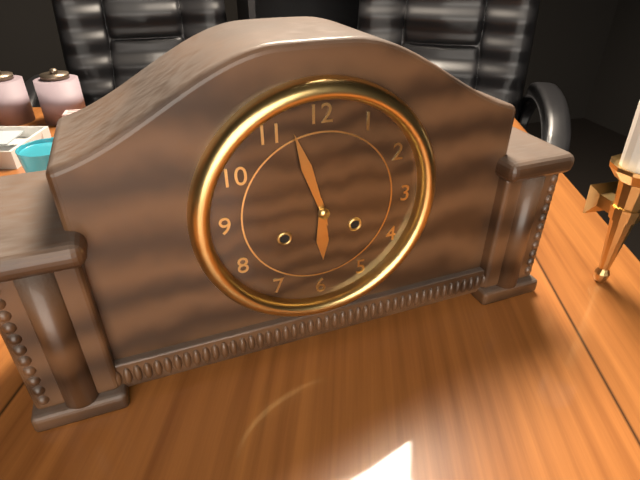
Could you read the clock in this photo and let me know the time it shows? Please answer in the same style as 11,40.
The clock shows 5,57
